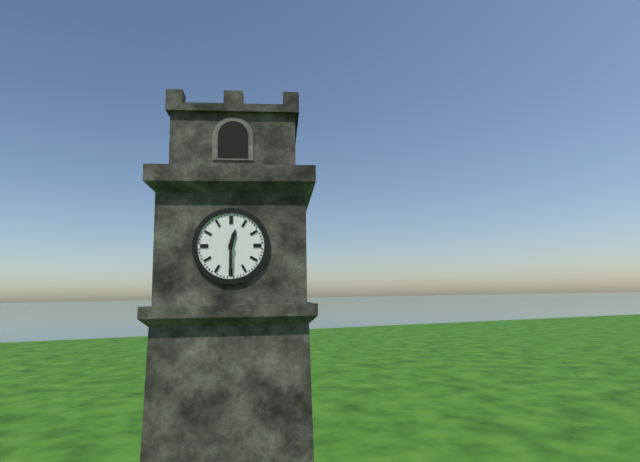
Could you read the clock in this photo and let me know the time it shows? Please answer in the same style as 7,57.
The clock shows 12,30
